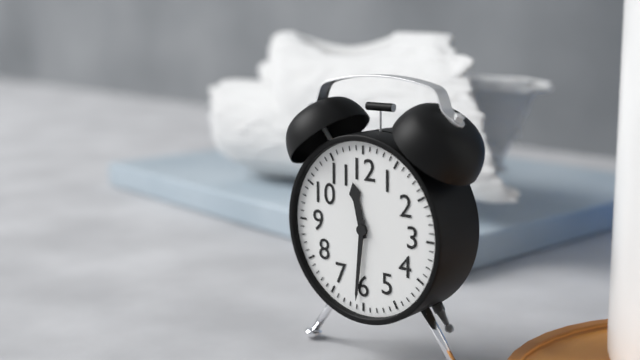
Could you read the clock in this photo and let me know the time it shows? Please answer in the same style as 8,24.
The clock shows 11,31
